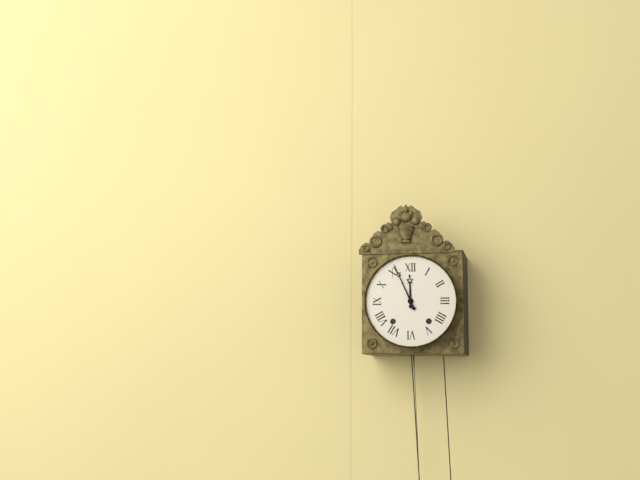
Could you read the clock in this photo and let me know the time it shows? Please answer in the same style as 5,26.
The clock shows 11,56
